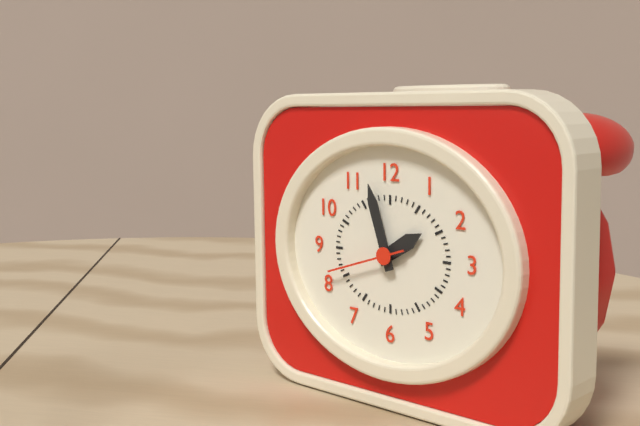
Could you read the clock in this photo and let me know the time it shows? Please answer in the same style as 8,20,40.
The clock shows 1,57,42
